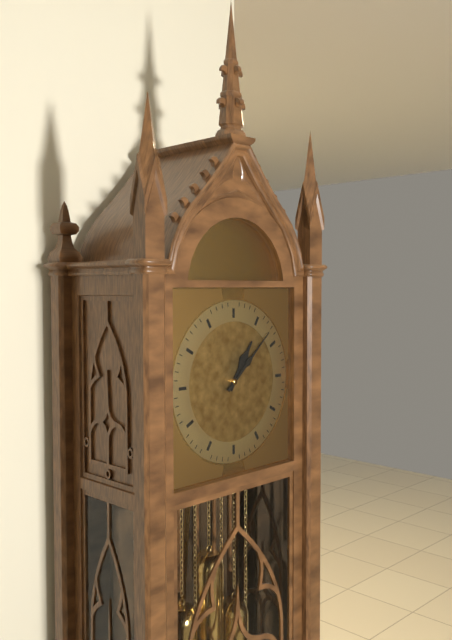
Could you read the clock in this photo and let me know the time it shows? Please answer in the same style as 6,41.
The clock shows 1,08
